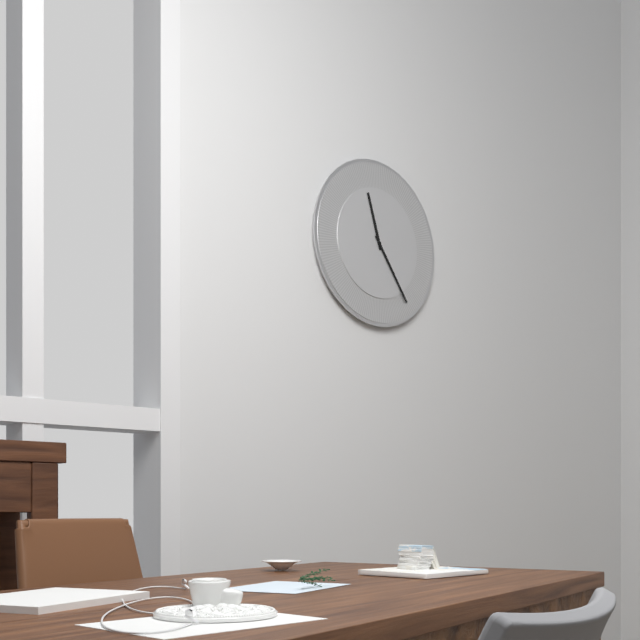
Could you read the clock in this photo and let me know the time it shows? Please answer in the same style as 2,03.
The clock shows 11,24
